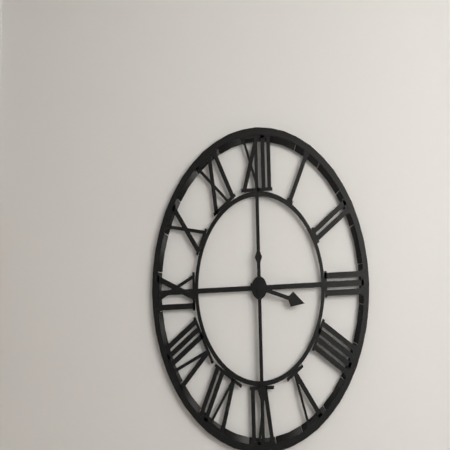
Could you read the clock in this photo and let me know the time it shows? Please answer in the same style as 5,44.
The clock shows 3,30
